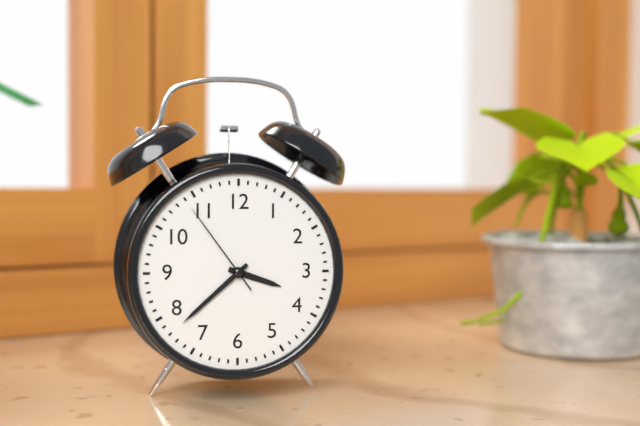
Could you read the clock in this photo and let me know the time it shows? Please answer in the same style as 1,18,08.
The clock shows 3,38,54
